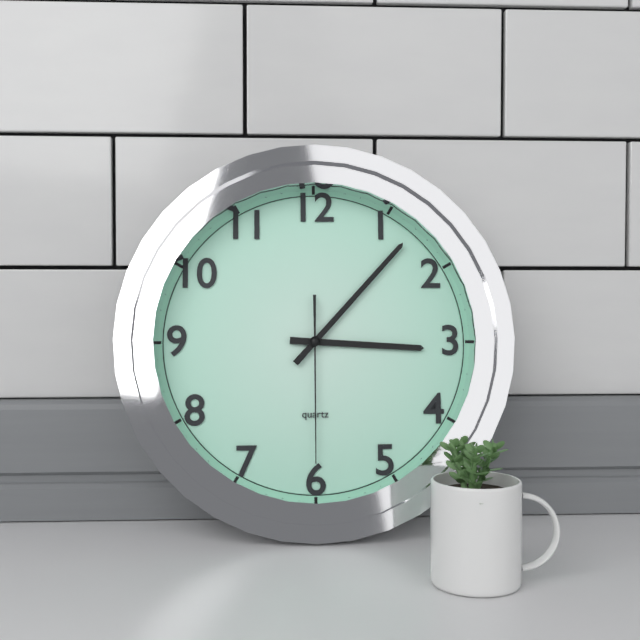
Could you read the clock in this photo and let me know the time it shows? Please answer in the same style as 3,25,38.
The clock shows 3,07,30
